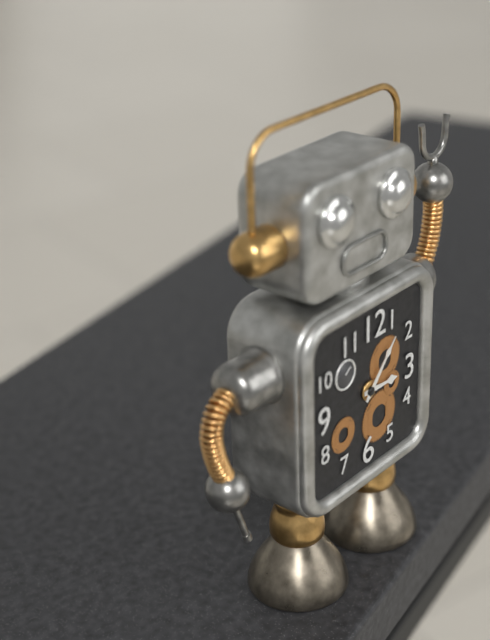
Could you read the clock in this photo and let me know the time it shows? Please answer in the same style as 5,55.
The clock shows 3,07
